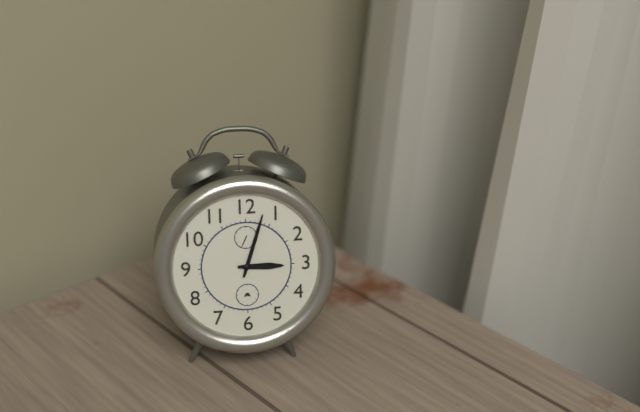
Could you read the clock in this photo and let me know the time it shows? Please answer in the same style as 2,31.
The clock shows 3,03
